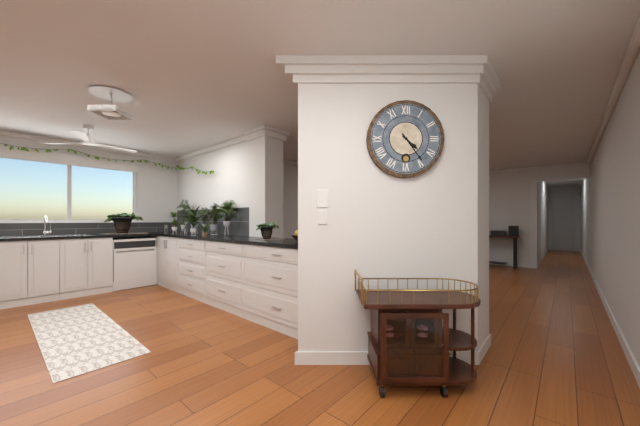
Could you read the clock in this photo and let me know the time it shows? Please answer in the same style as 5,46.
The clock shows 4,24
